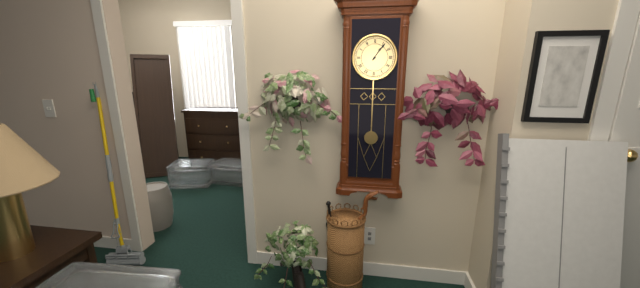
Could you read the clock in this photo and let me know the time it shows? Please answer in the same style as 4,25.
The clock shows 1,06
